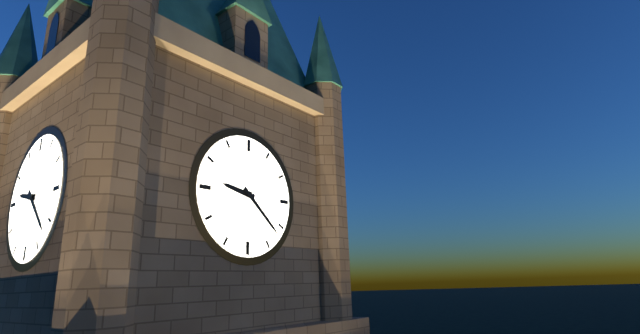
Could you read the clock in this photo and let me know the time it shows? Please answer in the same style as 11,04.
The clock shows 9,22
